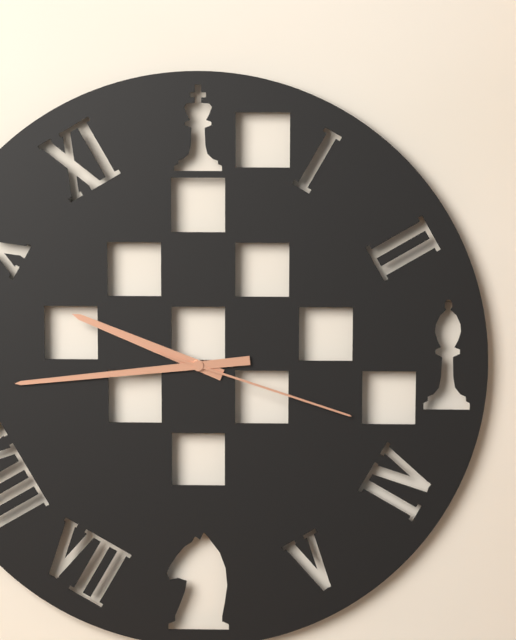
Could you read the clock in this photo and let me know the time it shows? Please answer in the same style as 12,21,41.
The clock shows 9,44,18
